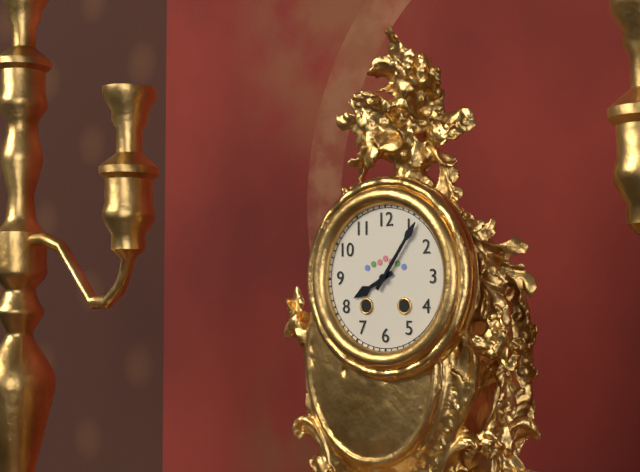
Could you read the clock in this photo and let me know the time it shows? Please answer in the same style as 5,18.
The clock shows 8,06
